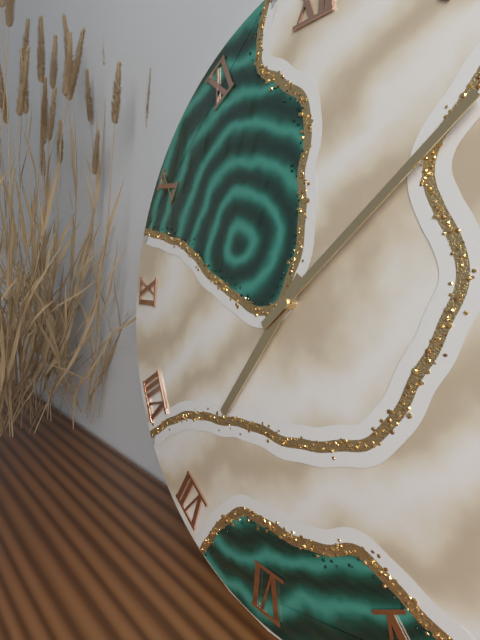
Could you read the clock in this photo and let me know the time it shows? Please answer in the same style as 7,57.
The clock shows 7,08
